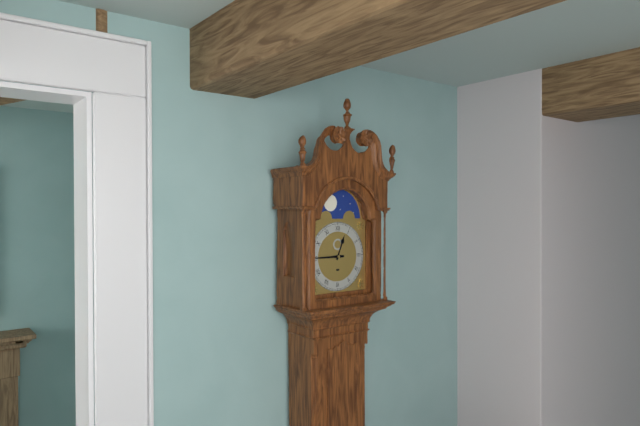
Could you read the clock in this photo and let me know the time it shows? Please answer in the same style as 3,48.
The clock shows 12,45
